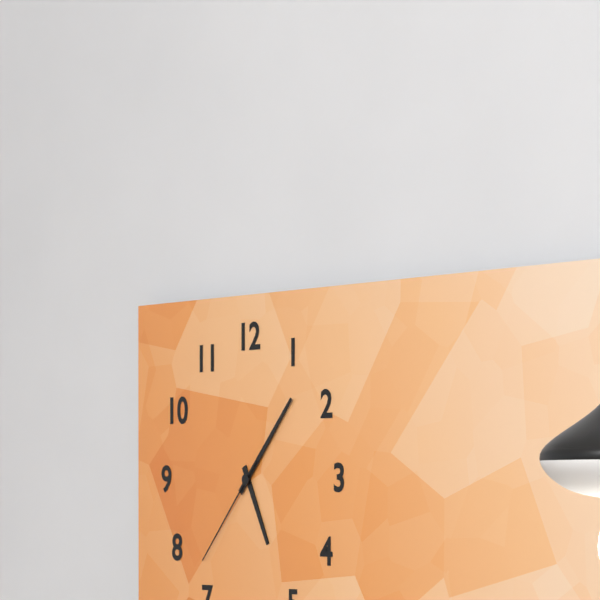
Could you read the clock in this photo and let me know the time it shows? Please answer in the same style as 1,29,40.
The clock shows 5,07,37
